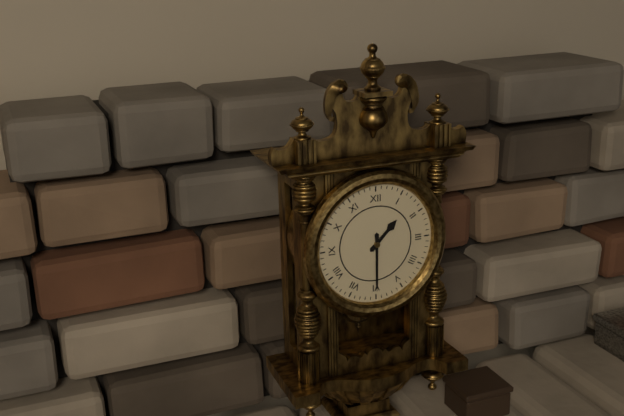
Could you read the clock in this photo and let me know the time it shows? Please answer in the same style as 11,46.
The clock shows 1,30
